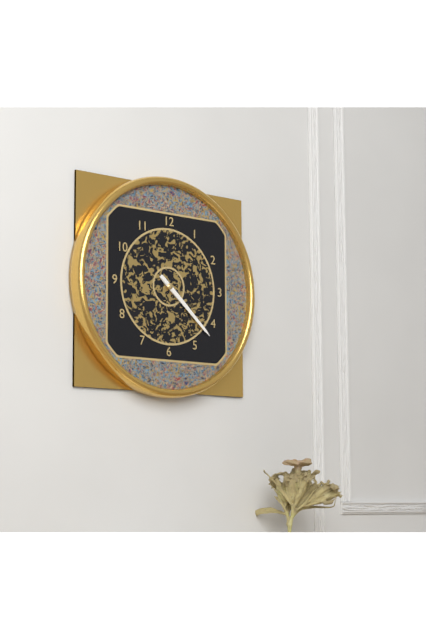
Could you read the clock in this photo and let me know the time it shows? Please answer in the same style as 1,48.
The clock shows 4,22
